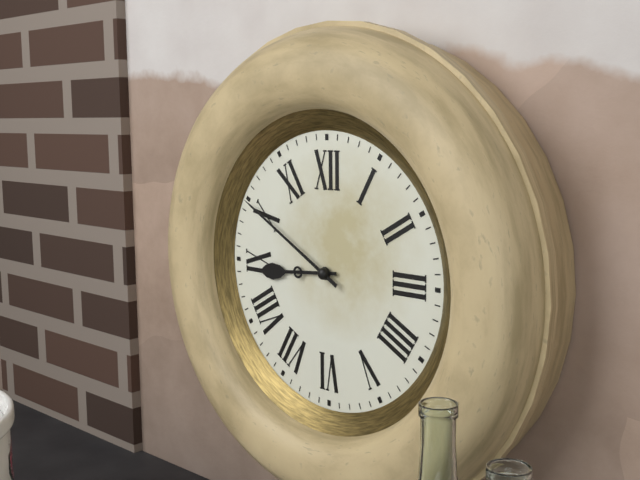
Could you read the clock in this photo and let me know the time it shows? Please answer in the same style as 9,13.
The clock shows 8,50
